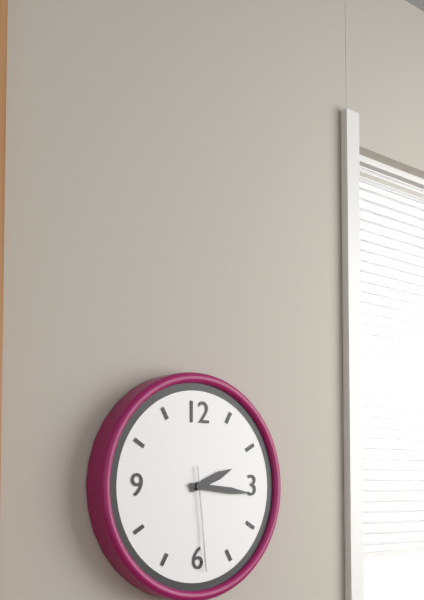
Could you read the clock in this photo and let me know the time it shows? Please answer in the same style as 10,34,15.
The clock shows 2,16,29
